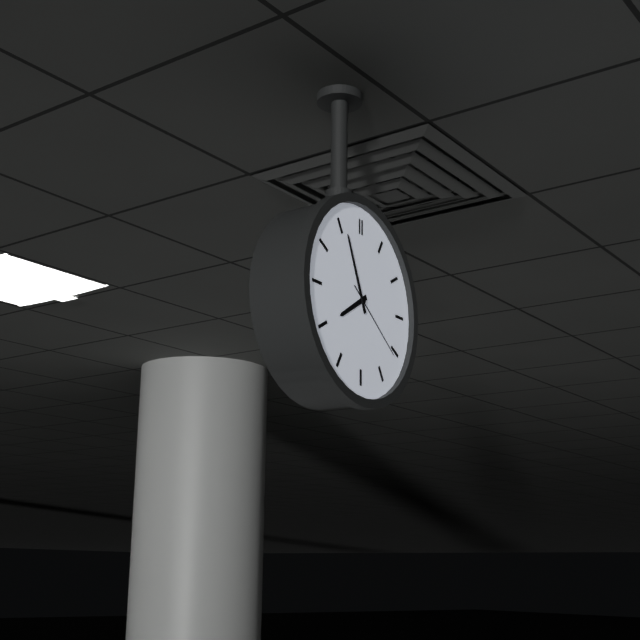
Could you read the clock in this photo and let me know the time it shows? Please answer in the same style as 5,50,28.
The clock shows 7,56,21
